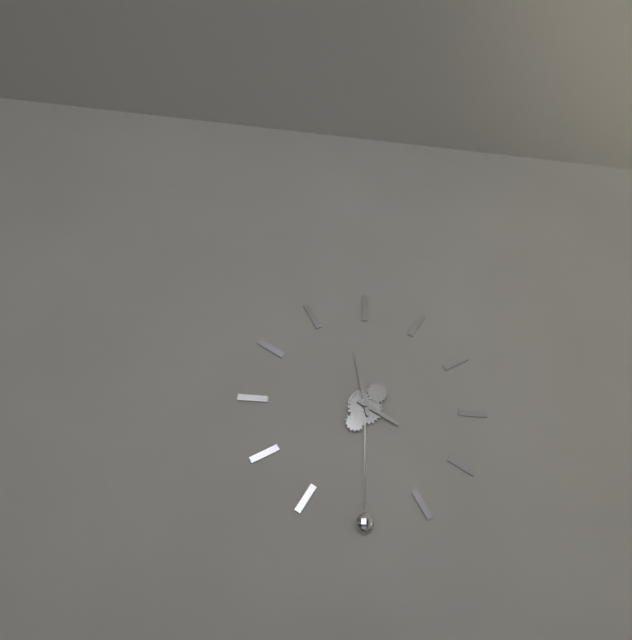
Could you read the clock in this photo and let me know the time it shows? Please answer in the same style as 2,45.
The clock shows 3,58
